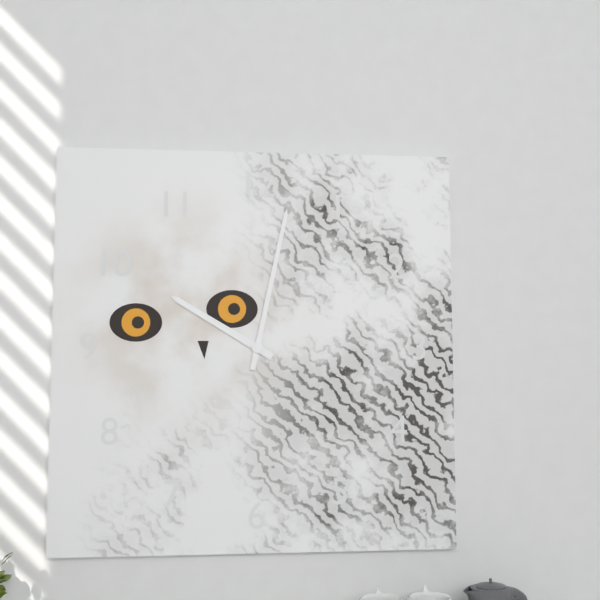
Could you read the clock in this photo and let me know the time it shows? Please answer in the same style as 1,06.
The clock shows 10,02
